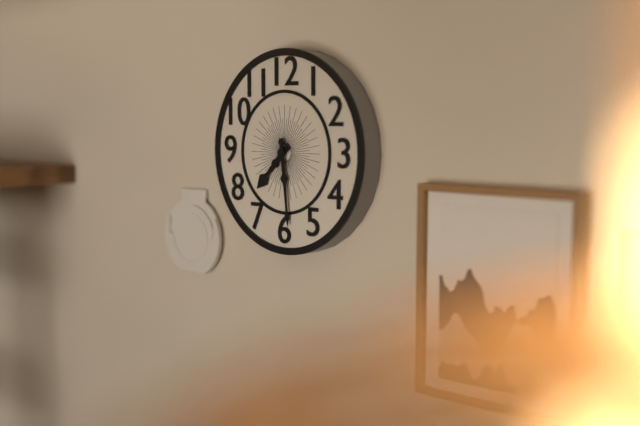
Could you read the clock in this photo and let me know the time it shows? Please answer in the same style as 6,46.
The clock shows 7,29
